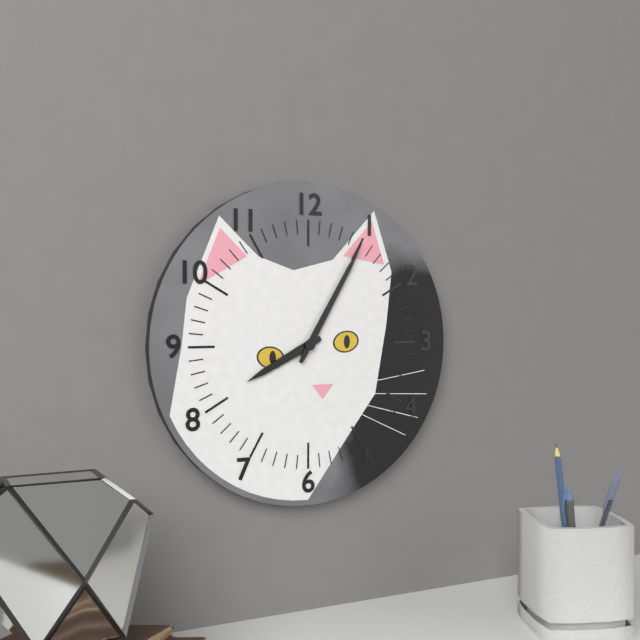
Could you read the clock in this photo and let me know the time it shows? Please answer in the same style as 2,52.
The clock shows 8,05
